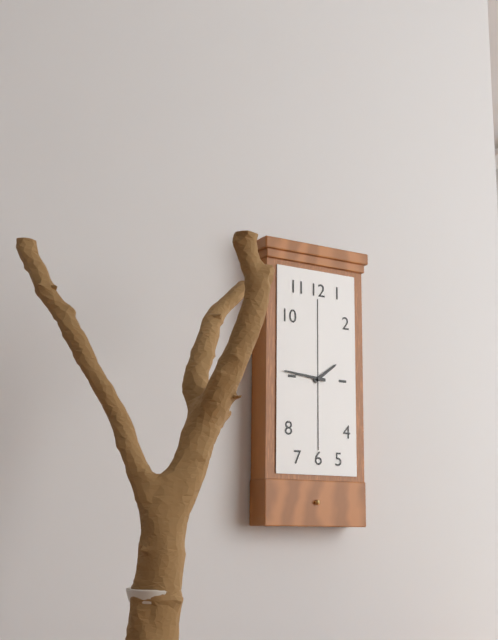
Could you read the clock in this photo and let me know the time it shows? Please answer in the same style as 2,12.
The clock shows 1,46
